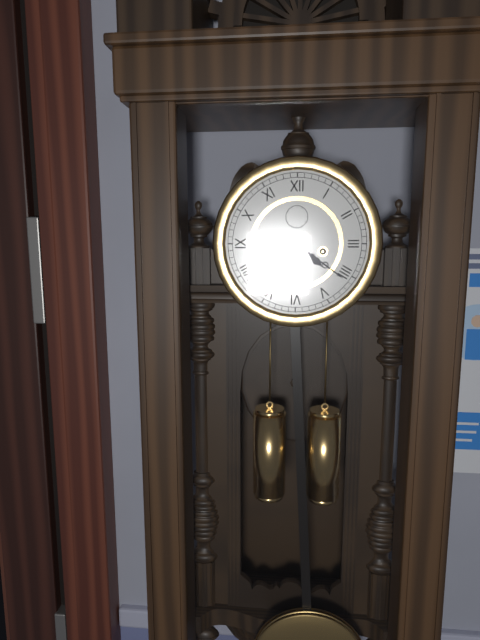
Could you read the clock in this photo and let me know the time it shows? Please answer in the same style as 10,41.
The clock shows 4,21
